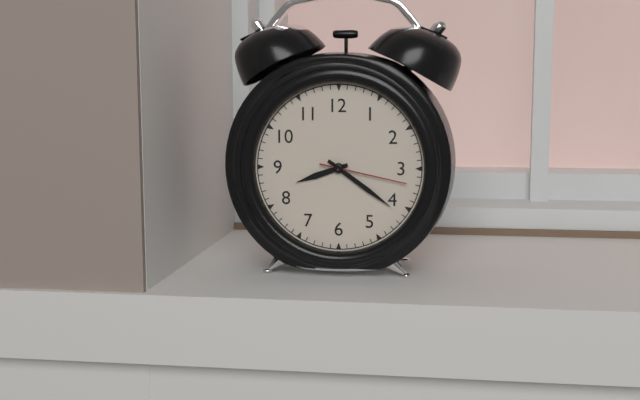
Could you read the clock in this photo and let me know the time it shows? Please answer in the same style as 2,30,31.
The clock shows 8,21,17
